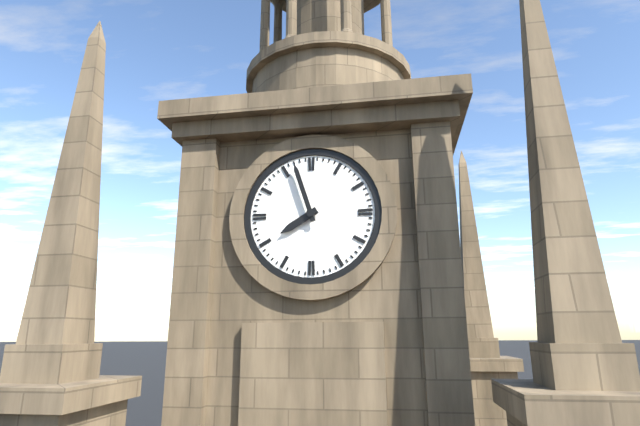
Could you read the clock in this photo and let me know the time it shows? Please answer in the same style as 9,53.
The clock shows 7,57
